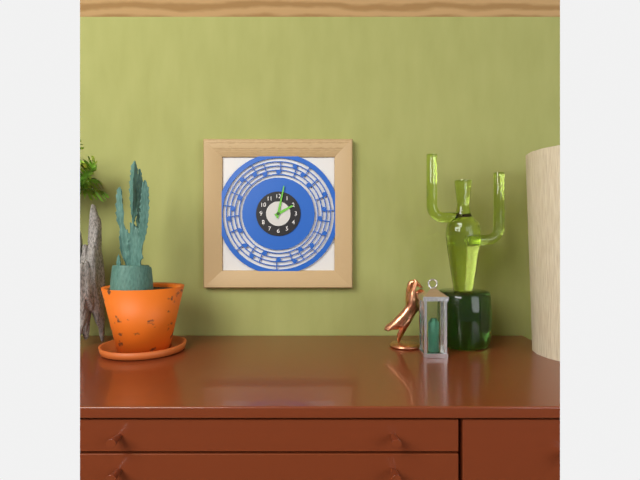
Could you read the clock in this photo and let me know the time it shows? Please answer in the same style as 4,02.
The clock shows 2,02
